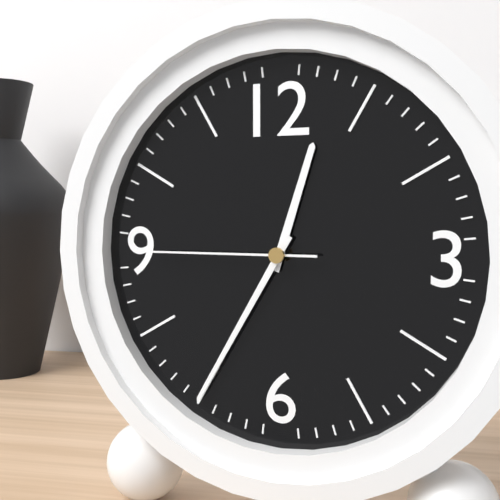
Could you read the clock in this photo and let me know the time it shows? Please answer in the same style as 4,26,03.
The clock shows 12,35,45
